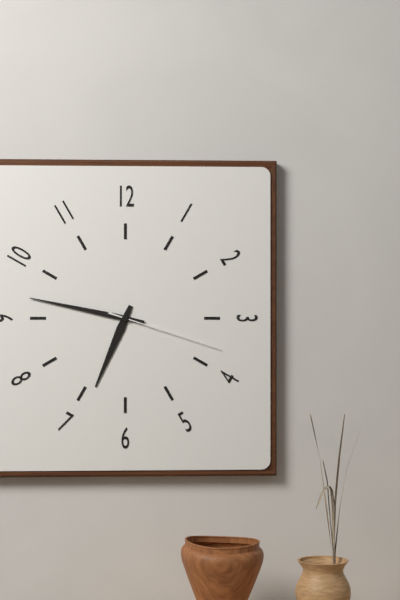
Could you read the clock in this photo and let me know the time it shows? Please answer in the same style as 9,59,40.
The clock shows 6,47,18
